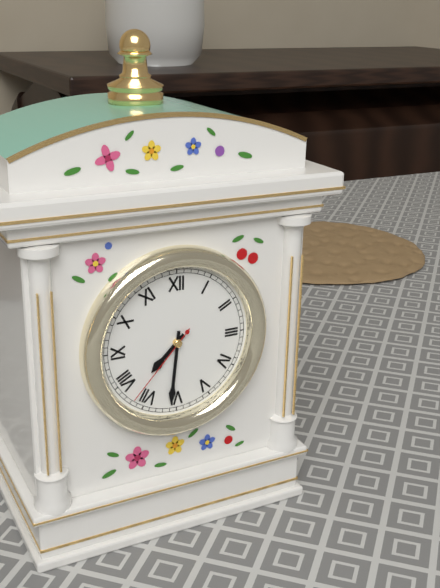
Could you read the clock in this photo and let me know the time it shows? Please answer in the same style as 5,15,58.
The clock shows 7,31,37
